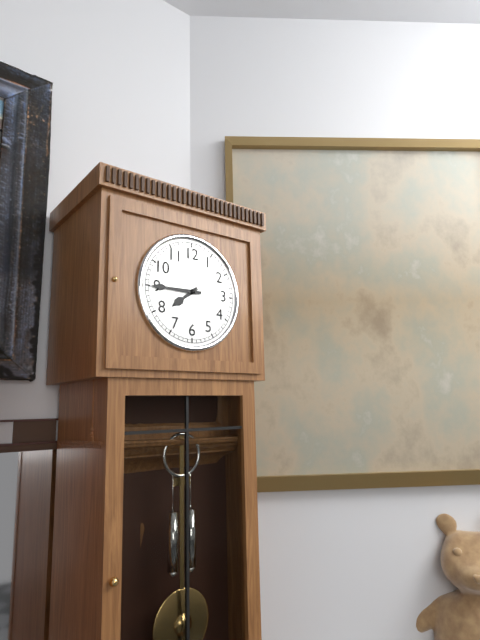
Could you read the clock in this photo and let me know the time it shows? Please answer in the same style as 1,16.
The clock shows 7,45
